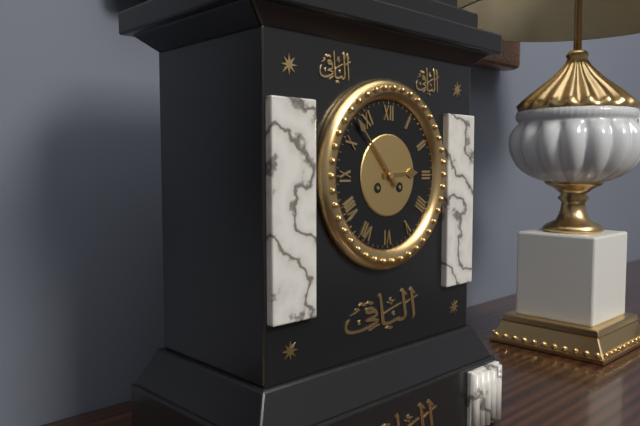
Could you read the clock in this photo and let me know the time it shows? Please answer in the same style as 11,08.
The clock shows 2,53
